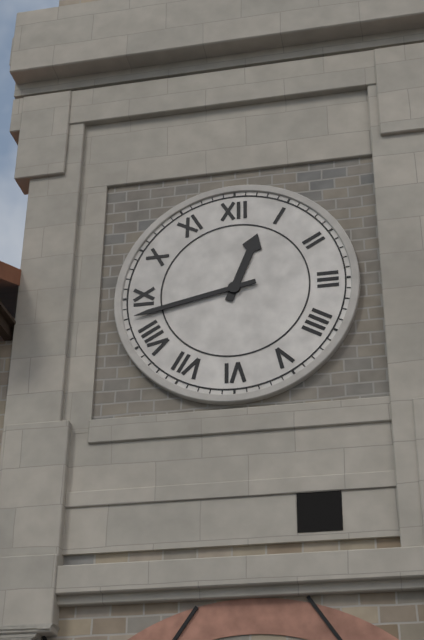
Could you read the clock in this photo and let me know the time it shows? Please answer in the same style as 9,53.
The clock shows 12,43
